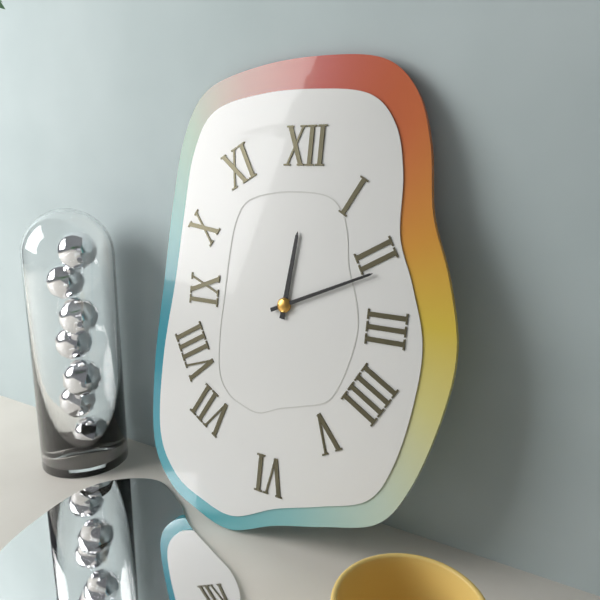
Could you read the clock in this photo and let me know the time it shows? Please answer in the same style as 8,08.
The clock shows 12,11
